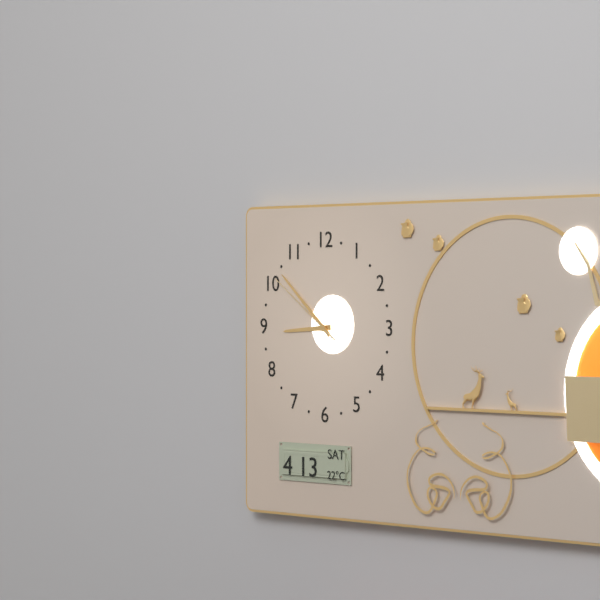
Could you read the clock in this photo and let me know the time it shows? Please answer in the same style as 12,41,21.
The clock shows 8,52,51
